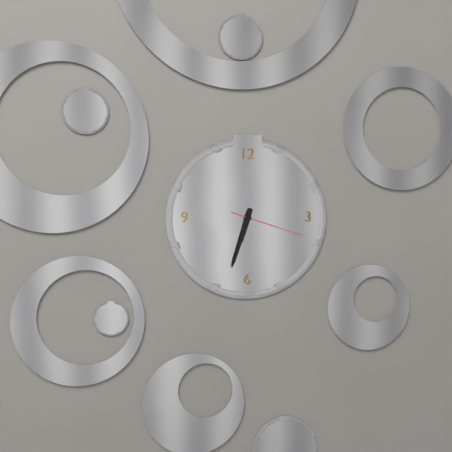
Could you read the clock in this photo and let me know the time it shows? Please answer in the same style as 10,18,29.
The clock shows 6,33,18
